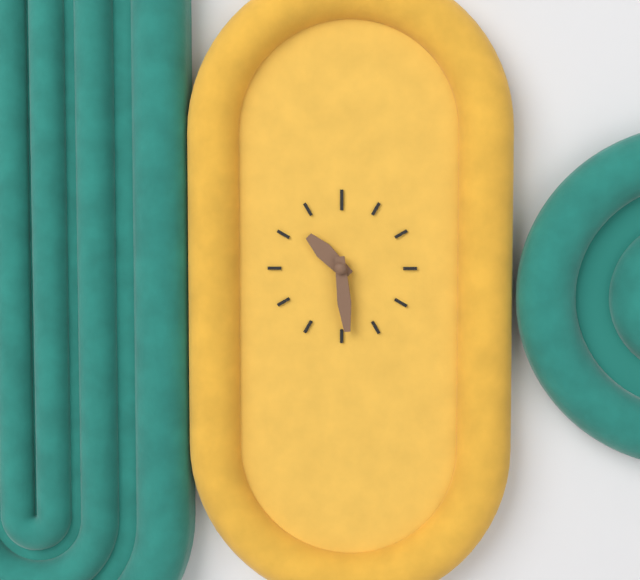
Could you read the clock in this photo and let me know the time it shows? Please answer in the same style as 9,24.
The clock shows 10,29
